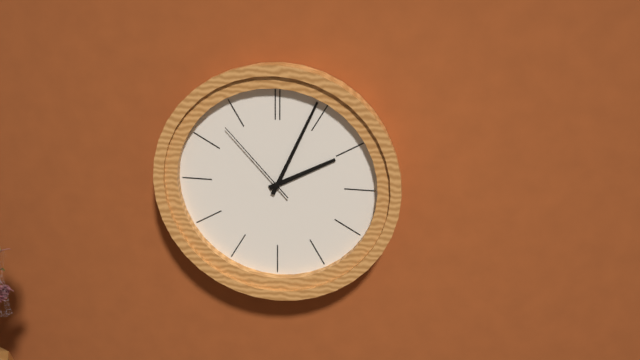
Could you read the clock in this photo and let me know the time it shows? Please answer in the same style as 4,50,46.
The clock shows 2,04,53
